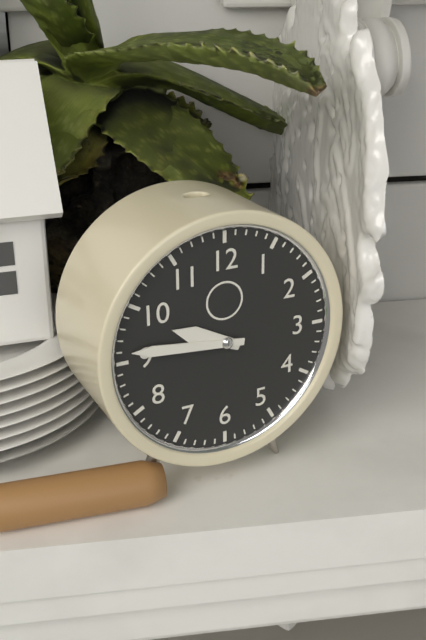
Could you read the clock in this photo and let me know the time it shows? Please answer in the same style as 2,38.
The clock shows 9,46
